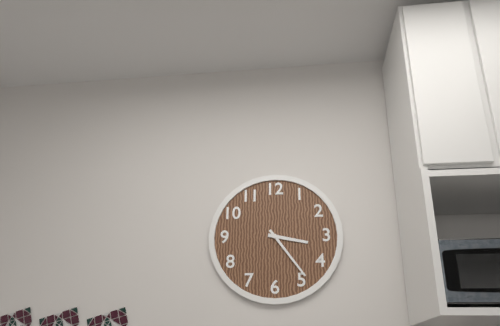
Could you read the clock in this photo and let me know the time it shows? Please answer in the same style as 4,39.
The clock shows 3,24
